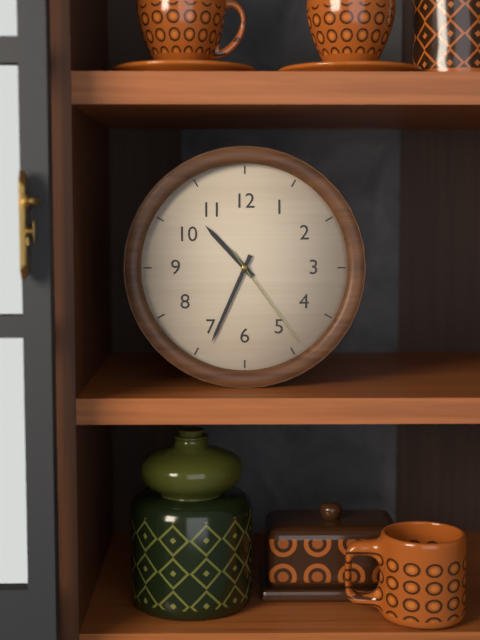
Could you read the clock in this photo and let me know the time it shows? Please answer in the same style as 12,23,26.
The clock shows 10,34,24
